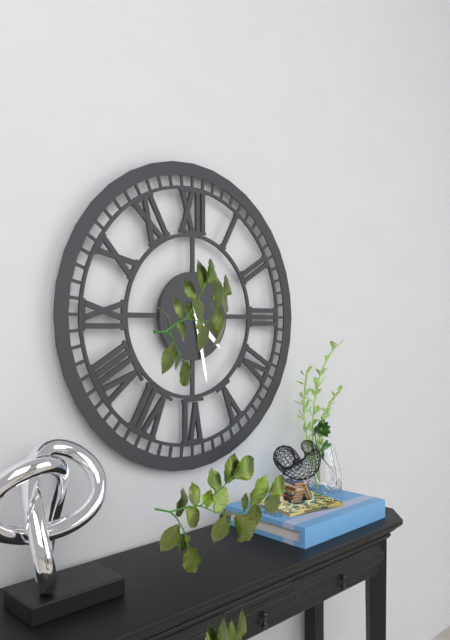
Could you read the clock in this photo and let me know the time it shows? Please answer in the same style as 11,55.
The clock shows 4,28
